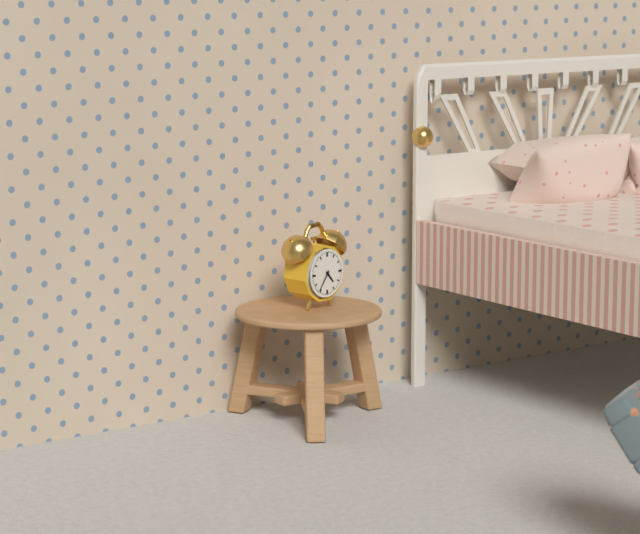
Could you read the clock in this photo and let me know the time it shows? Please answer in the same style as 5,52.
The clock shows 4,36
